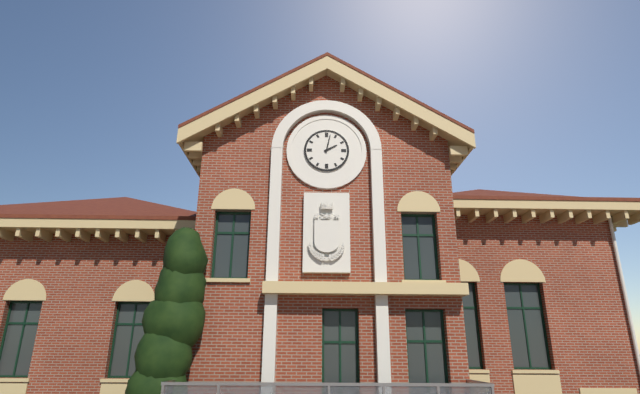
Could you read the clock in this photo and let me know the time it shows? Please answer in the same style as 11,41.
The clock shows 2,02
